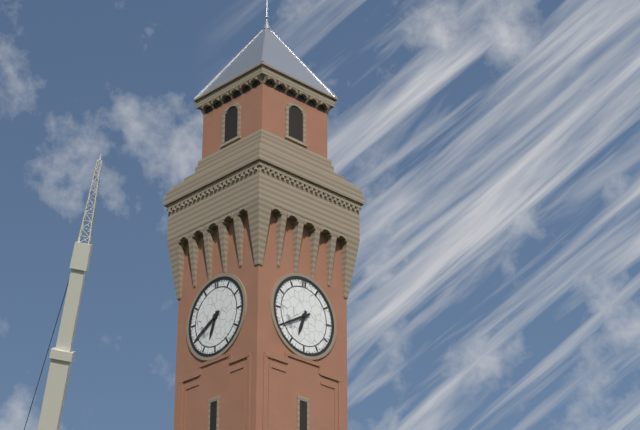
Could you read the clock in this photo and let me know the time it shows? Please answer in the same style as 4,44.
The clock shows 6,40
